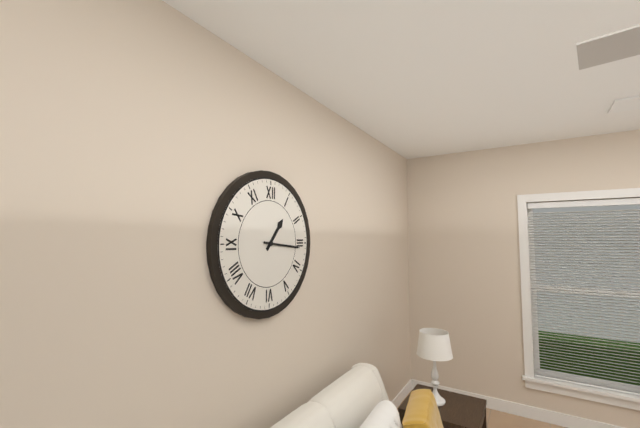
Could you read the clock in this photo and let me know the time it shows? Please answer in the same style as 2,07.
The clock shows 1,16
